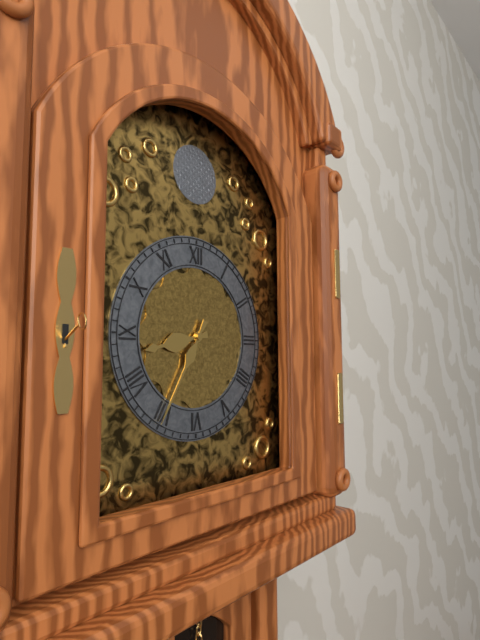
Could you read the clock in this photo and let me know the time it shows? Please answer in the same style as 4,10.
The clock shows 8,35
